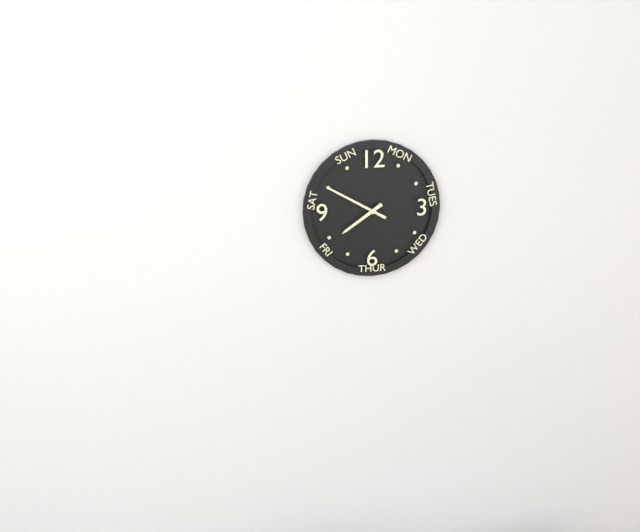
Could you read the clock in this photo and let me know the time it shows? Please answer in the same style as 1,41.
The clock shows 7,50
